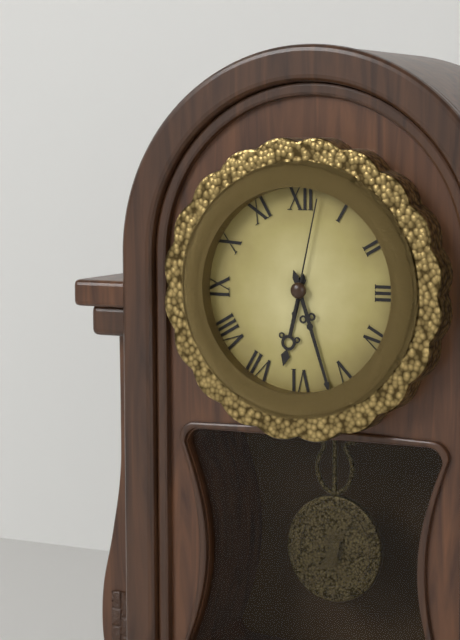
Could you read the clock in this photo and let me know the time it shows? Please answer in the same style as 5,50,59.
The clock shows 6,27,02
